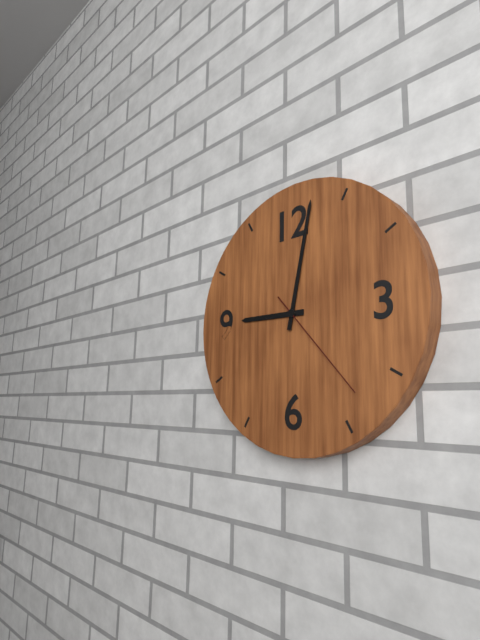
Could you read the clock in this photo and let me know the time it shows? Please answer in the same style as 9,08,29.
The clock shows 9,02,23
